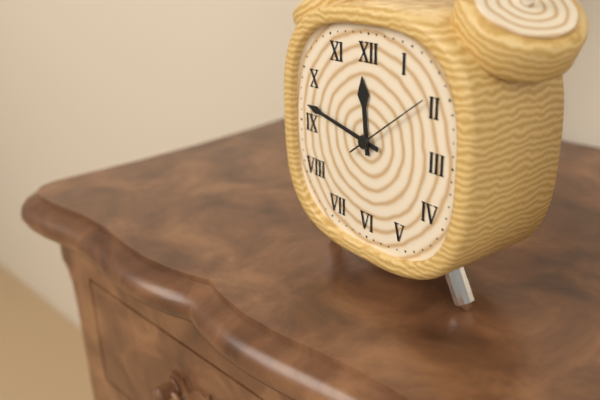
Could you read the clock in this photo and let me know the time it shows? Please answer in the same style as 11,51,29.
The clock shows 11,47,09
